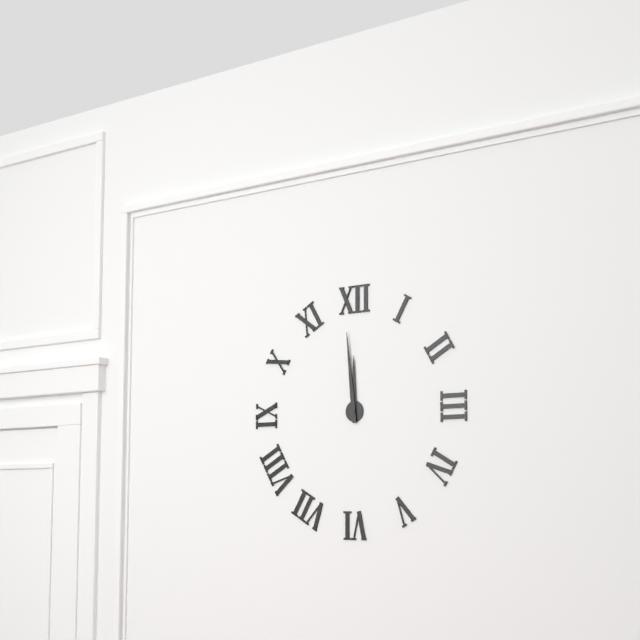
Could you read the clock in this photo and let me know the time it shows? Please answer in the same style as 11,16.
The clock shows 11,59
